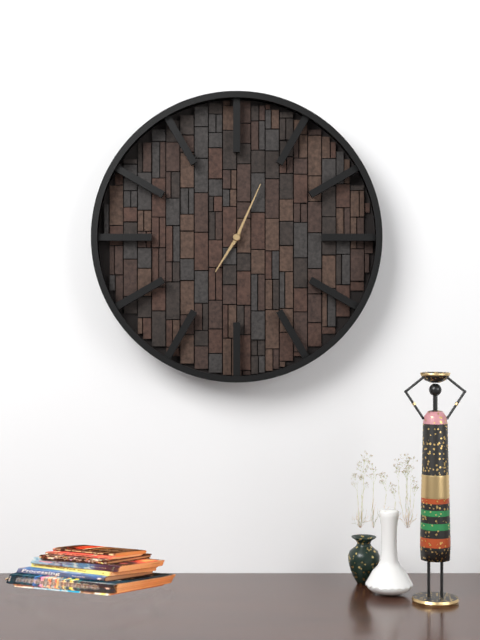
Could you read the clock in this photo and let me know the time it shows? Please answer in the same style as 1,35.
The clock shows 7,04
